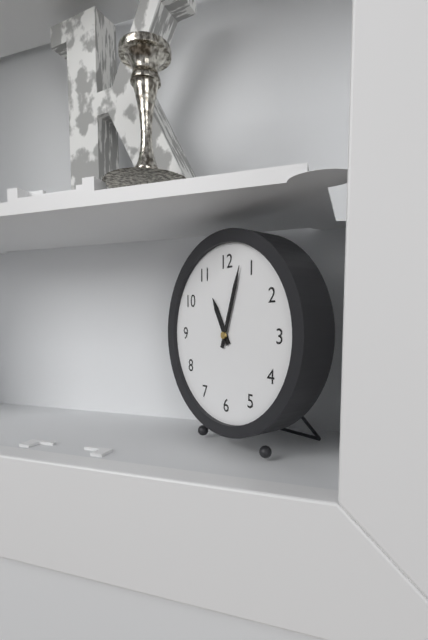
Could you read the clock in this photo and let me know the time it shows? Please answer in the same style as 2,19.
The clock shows 11,03
